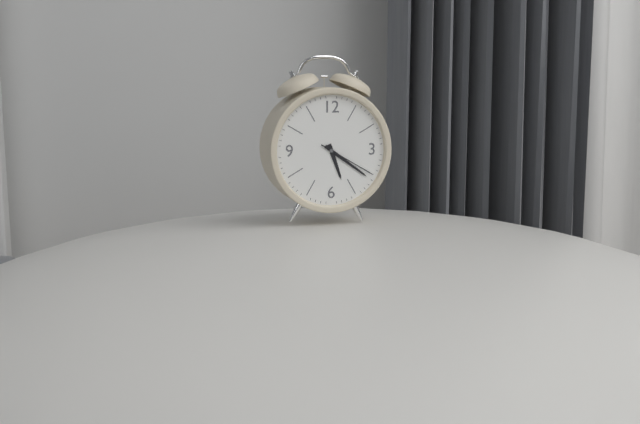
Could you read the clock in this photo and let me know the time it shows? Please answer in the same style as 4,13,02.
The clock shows 5,21,20
